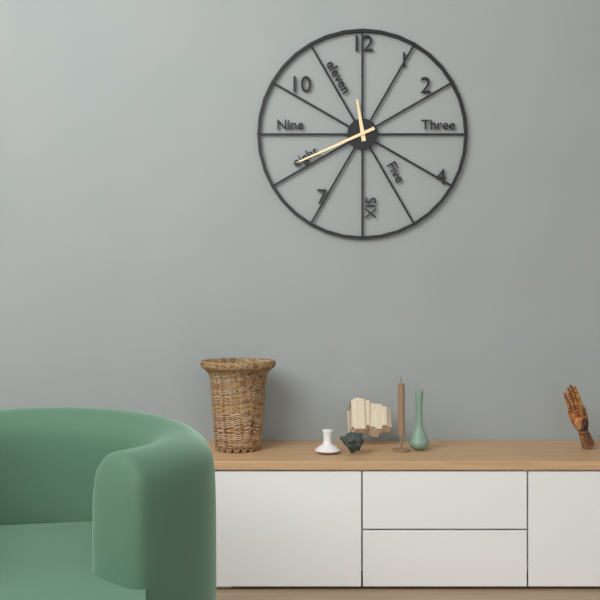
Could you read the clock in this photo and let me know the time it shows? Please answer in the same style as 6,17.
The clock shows 11,41
